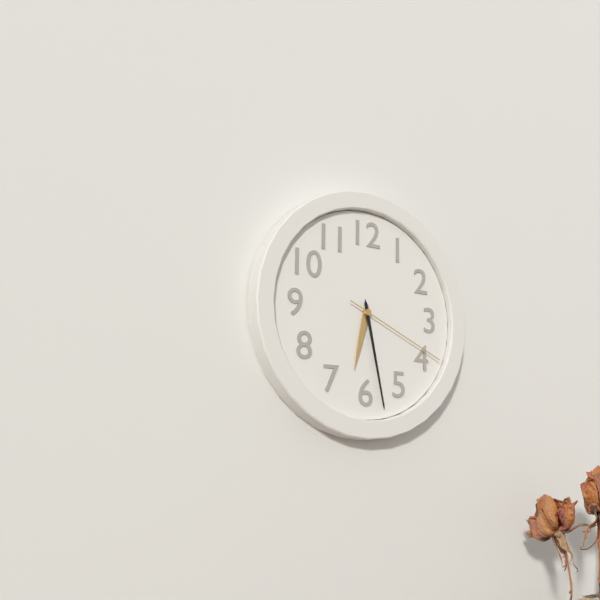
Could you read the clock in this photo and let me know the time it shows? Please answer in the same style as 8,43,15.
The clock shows 6,28,19
